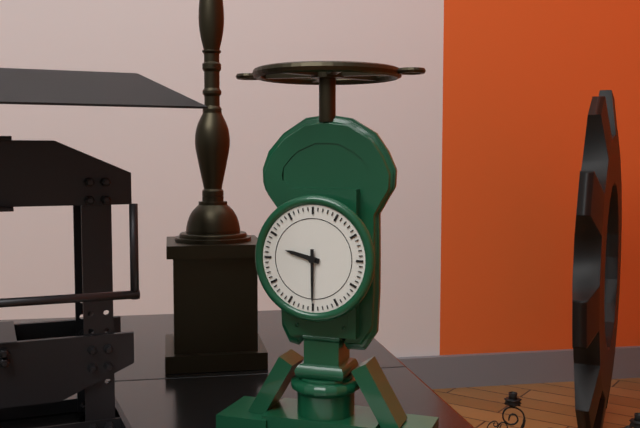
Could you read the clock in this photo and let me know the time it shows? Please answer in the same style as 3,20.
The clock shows 9,30
